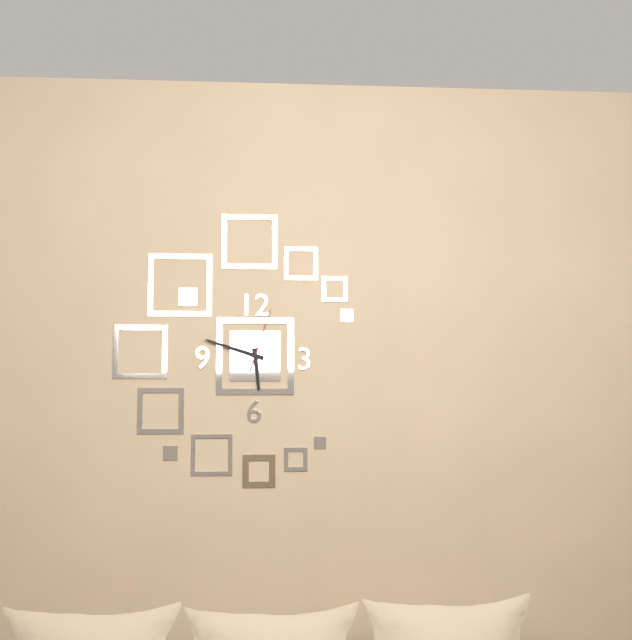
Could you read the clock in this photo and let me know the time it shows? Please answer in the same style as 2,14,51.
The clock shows 5,48,03
